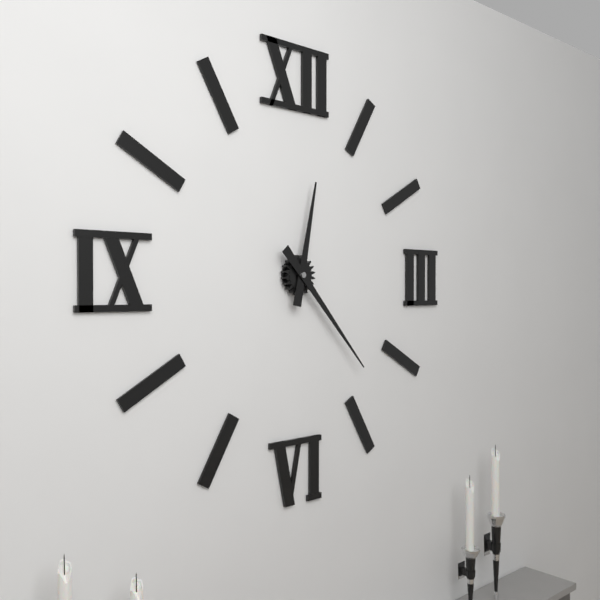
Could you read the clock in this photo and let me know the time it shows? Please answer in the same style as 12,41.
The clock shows 12,23
